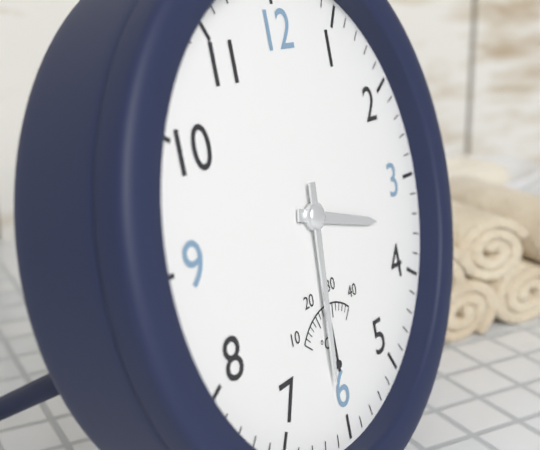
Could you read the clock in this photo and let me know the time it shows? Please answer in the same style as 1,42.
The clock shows 3,31
